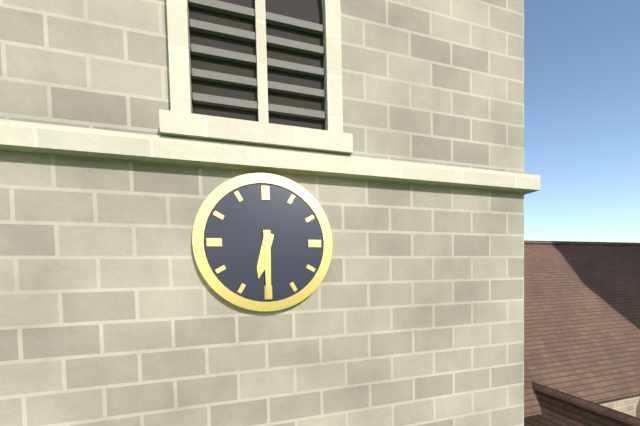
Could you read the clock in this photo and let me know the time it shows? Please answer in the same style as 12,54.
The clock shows 6,30
